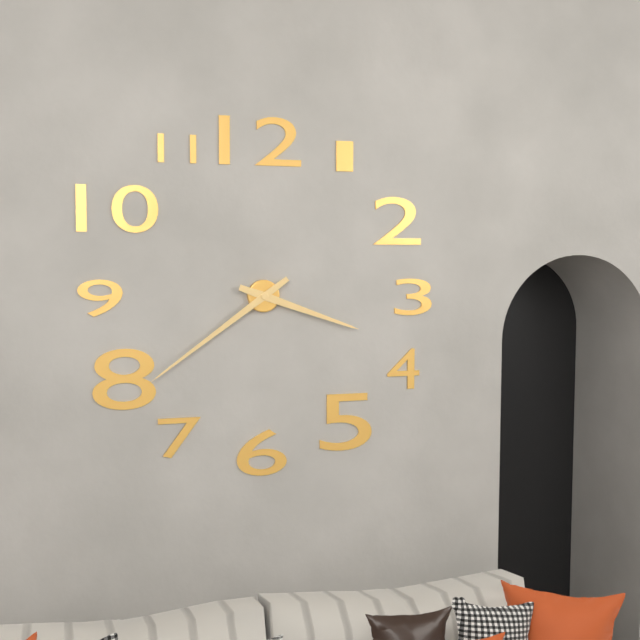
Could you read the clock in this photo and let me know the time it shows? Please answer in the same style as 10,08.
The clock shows 3,39
